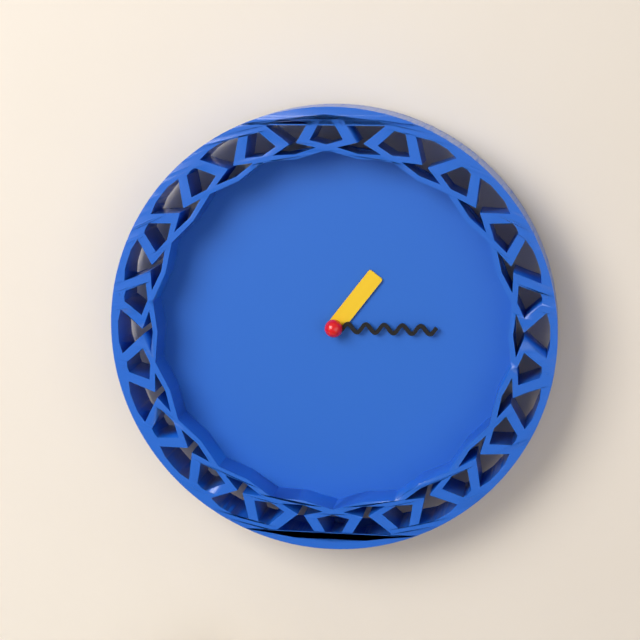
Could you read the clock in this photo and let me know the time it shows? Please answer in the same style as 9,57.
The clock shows 1,15
